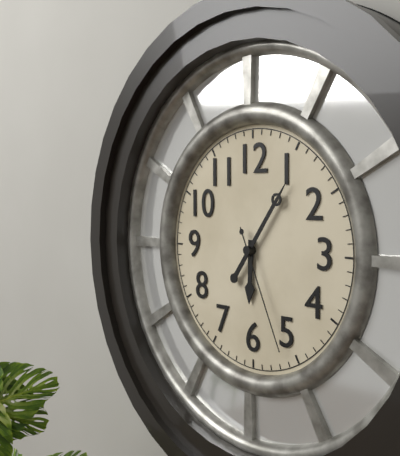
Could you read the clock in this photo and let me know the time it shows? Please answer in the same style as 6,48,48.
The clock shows 6,06,26
